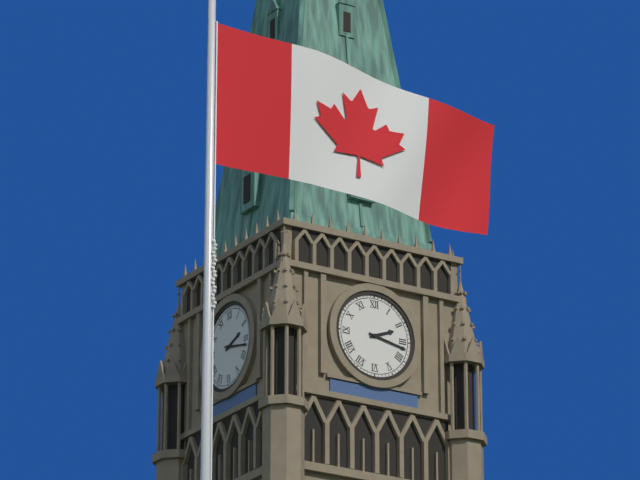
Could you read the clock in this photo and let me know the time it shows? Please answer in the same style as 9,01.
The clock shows 2,17
